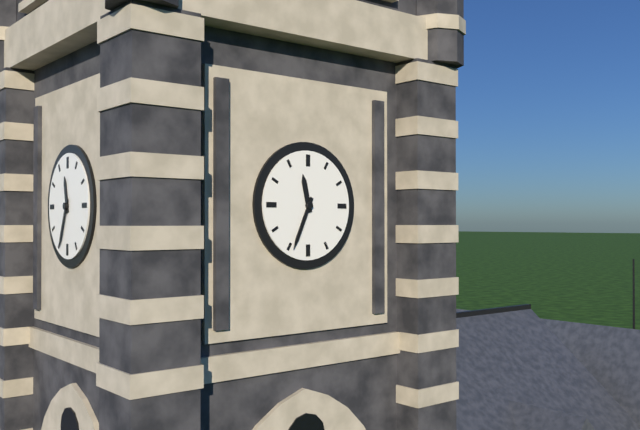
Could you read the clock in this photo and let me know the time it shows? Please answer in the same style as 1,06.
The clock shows 11,34
